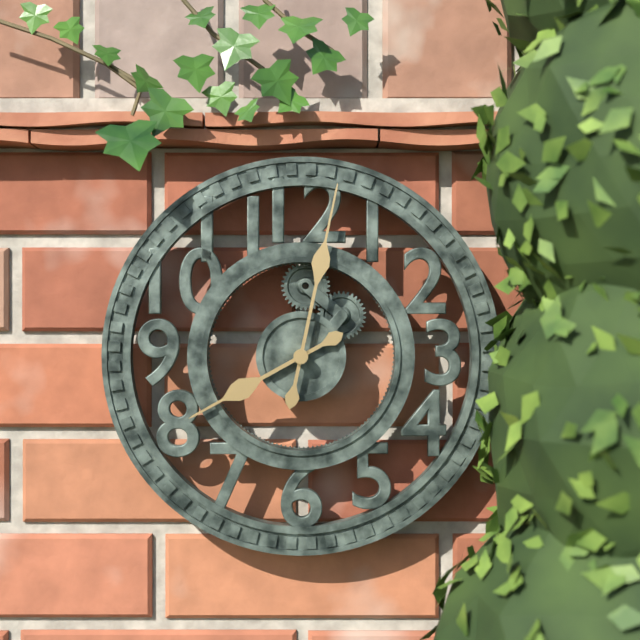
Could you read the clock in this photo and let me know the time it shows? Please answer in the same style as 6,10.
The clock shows 8,02
